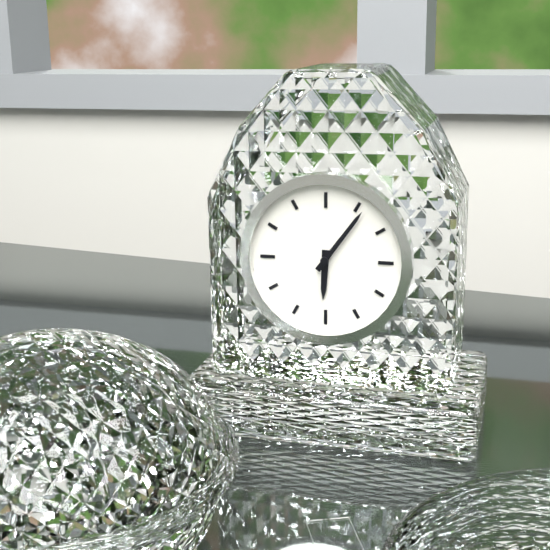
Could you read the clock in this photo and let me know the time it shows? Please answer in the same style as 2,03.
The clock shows 6,06
